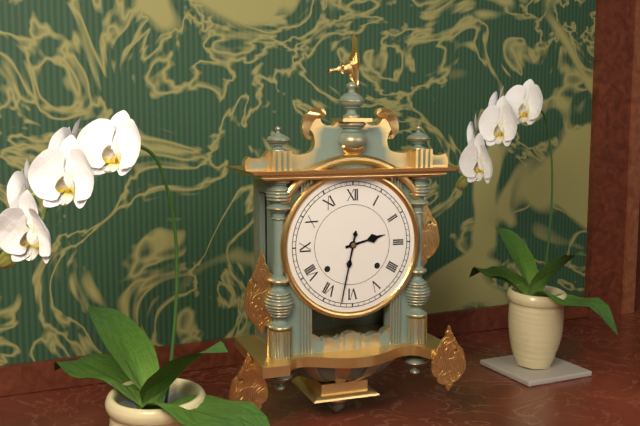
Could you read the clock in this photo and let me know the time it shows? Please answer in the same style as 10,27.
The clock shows 2,32
